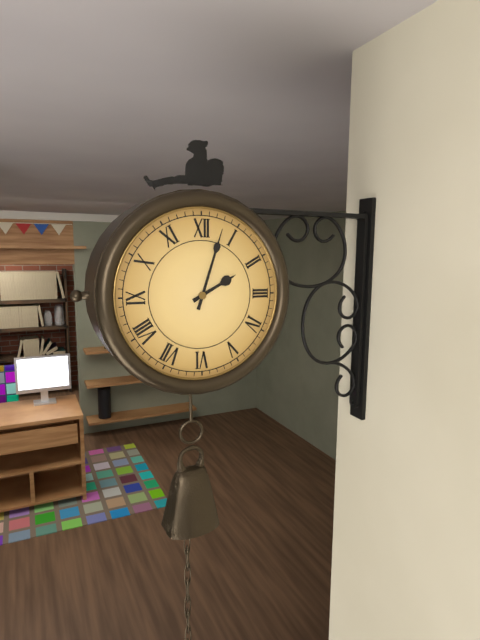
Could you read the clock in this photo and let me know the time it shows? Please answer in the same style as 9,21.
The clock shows 2,03
